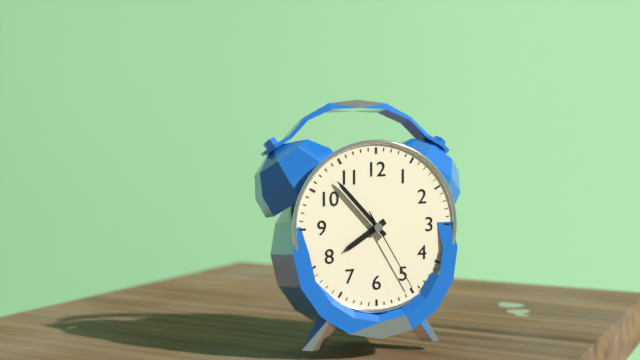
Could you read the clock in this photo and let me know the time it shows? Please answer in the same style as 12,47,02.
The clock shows 7,53,25
